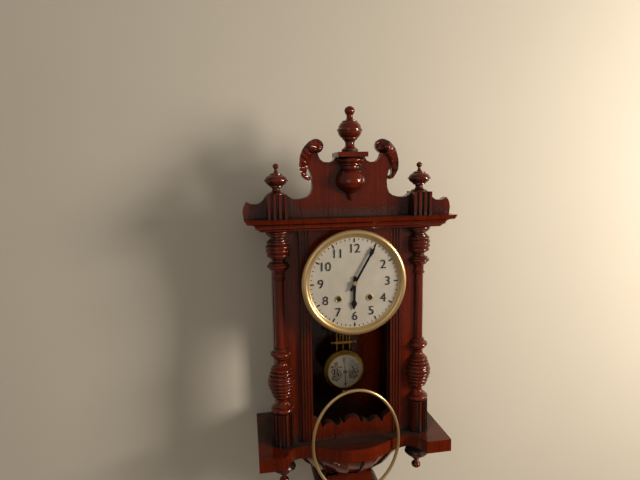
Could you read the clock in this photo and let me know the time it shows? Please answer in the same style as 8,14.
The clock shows 6,05
